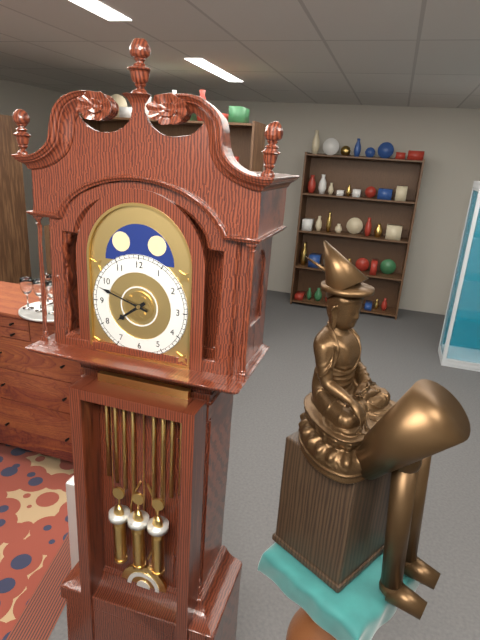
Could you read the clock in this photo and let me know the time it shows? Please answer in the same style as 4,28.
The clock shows 7,48
